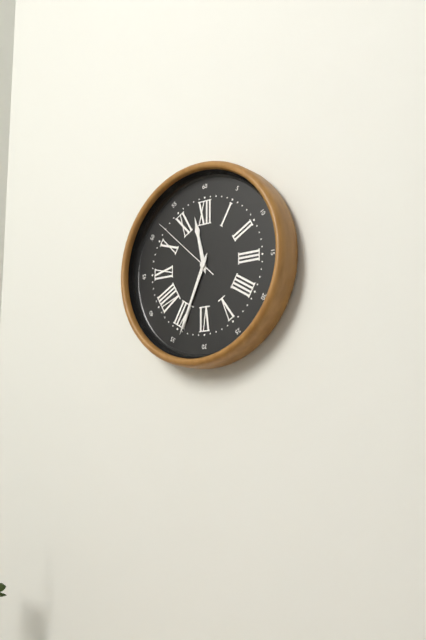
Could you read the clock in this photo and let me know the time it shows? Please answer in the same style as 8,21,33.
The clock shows 11,34,52
